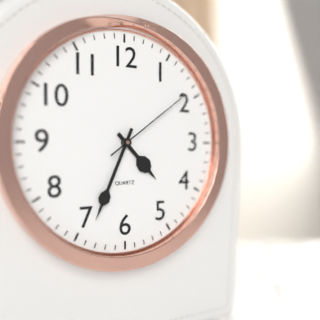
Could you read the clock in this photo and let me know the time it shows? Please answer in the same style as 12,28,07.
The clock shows 4,34,09
